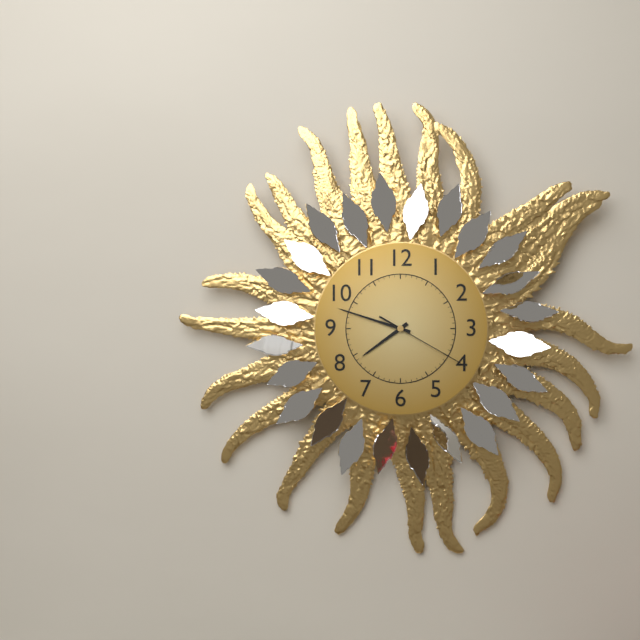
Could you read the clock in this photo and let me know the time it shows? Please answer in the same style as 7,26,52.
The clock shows 7,48,20
